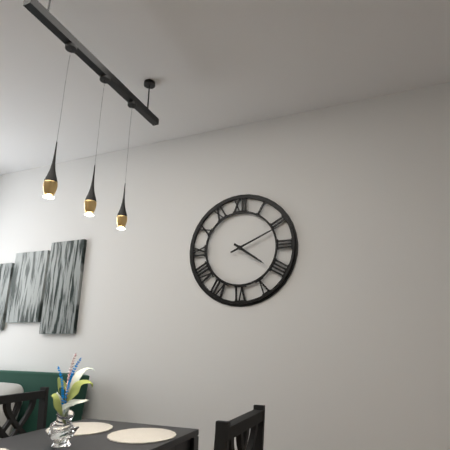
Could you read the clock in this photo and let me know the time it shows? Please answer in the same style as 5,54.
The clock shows 4,11
